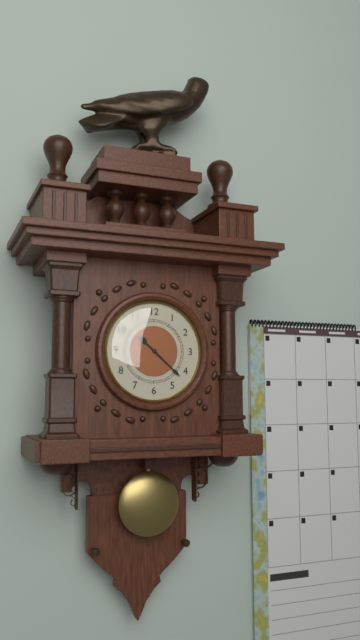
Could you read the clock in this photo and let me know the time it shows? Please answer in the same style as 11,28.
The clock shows 10,22
